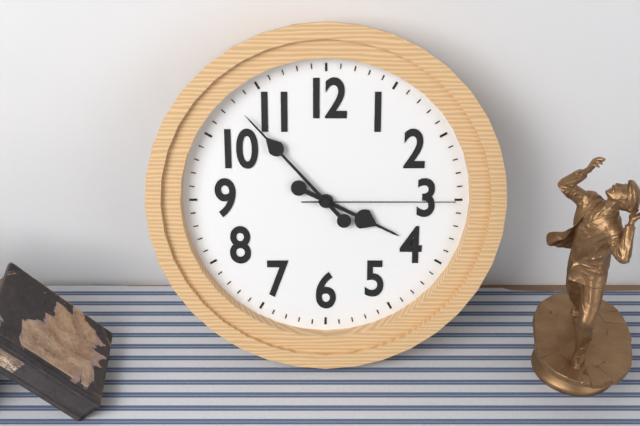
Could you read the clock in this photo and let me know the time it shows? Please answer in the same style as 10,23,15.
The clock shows 3,53,15
